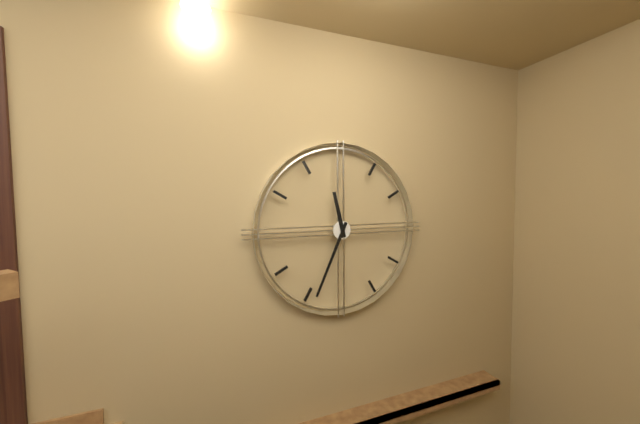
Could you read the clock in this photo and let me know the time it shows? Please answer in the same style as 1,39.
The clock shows 11,34
